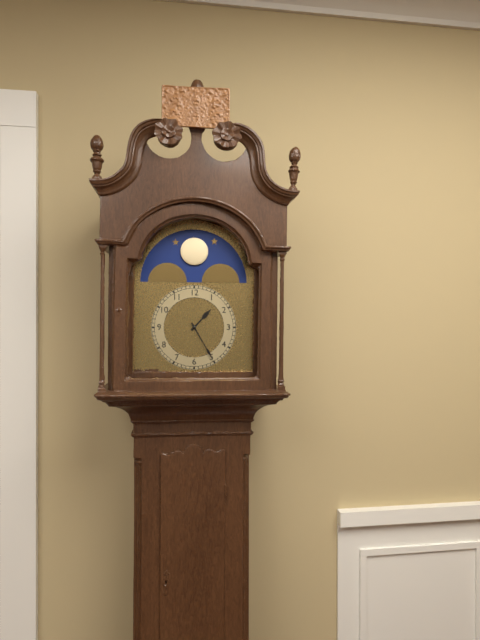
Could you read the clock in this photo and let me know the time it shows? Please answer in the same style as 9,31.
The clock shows 1,25
